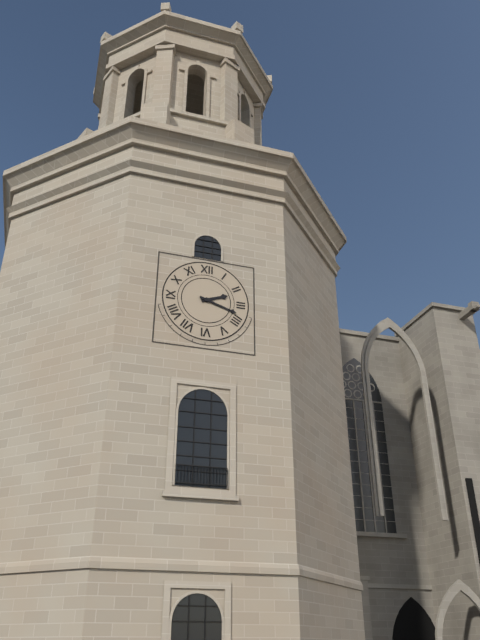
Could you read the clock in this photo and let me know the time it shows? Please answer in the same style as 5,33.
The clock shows 2,18
